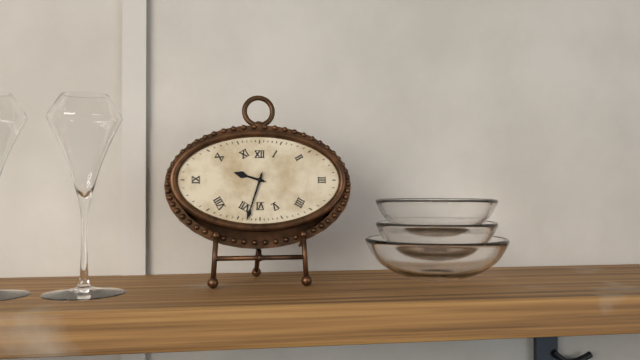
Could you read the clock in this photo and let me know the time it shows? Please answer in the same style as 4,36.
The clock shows 9,33
